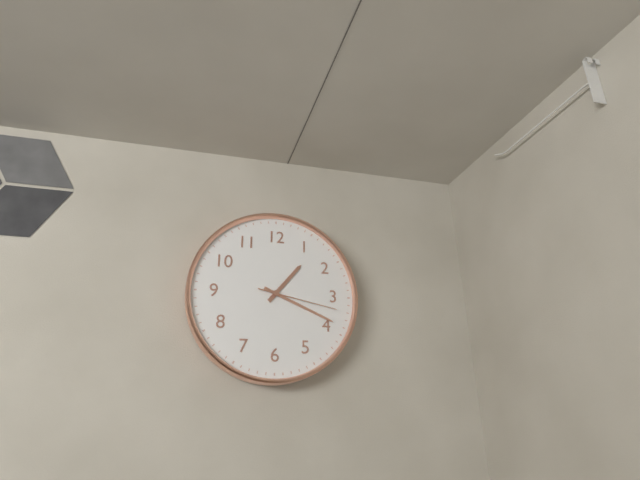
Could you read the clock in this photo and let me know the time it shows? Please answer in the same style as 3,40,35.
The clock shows 1,19,17
